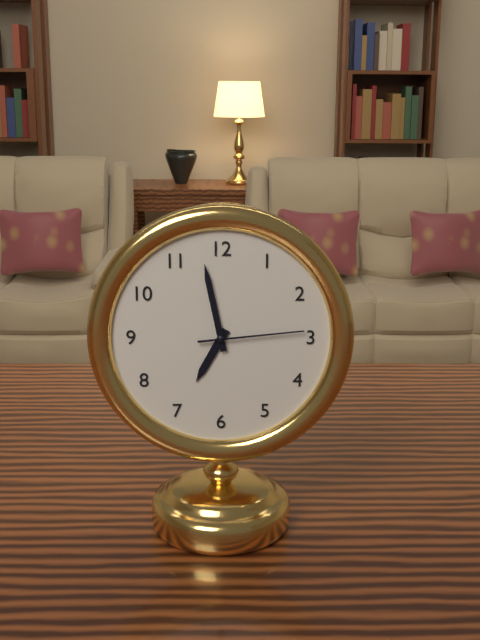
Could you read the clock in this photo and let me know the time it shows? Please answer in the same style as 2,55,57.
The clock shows 6,58,14
